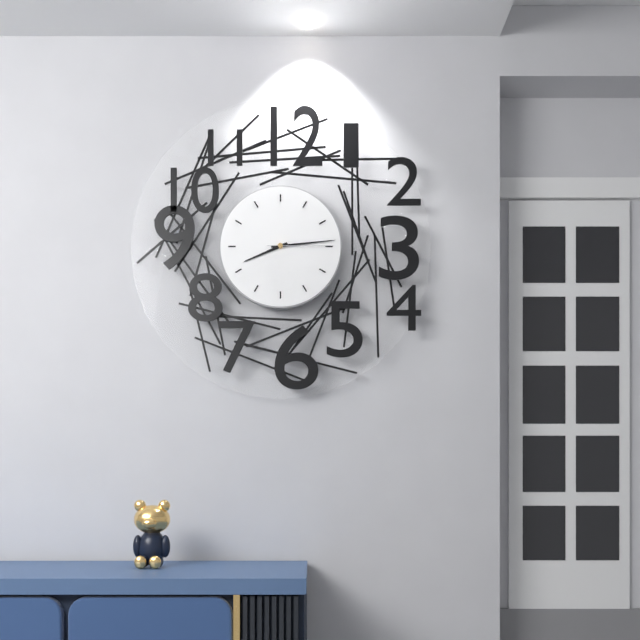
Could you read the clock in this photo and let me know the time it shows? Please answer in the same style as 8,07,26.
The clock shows 8,14,15
